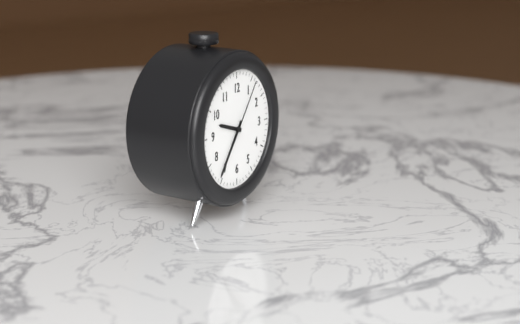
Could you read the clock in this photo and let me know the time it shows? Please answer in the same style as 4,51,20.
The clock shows 9,36,06
